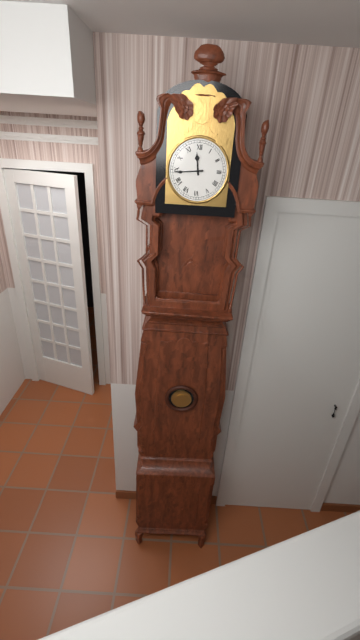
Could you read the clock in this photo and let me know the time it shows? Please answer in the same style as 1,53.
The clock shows 11,44
